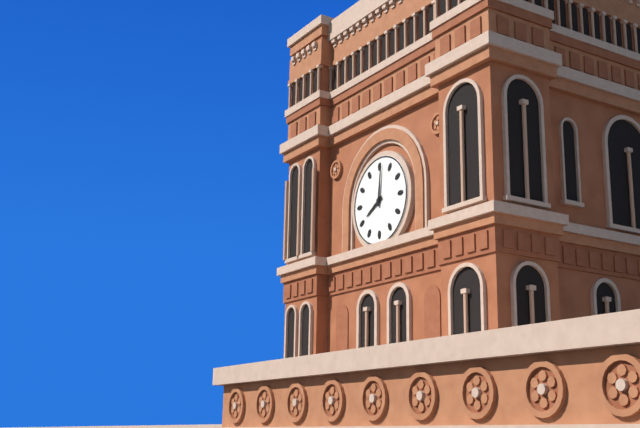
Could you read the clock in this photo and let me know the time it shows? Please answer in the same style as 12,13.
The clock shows 8,01
